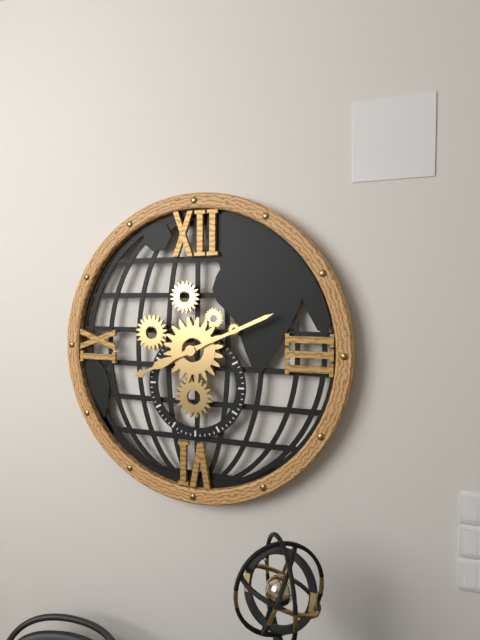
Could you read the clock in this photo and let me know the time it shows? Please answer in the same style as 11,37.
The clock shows 8,11
